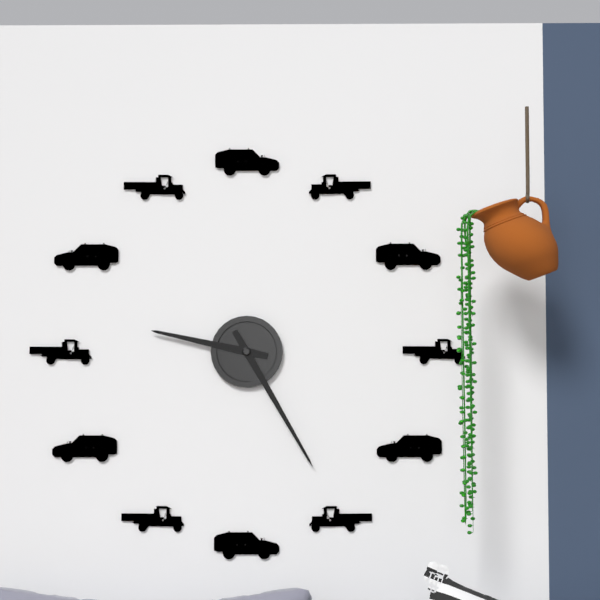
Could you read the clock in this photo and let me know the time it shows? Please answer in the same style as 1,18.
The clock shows 9,25
